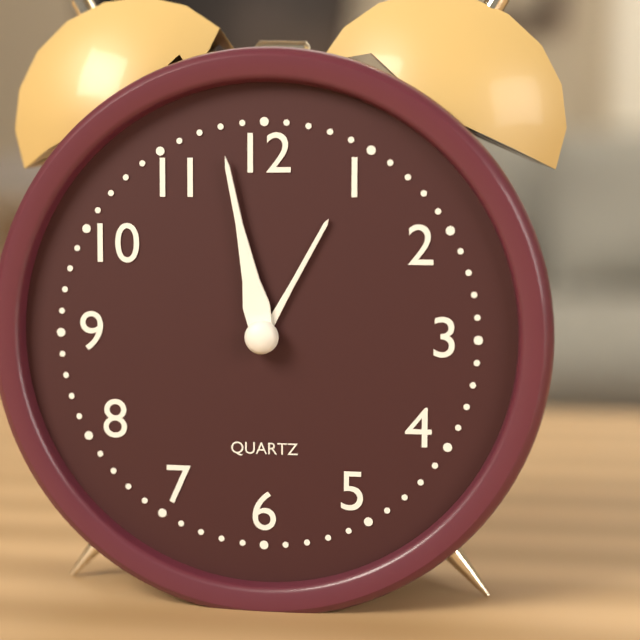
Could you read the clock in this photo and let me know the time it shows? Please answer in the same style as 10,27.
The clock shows 12,58
